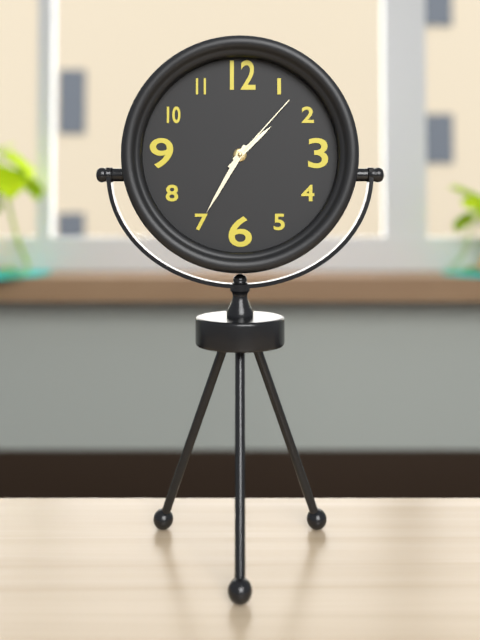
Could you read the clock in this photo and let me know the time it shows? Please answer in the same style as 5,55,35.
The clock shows 1,35,07
